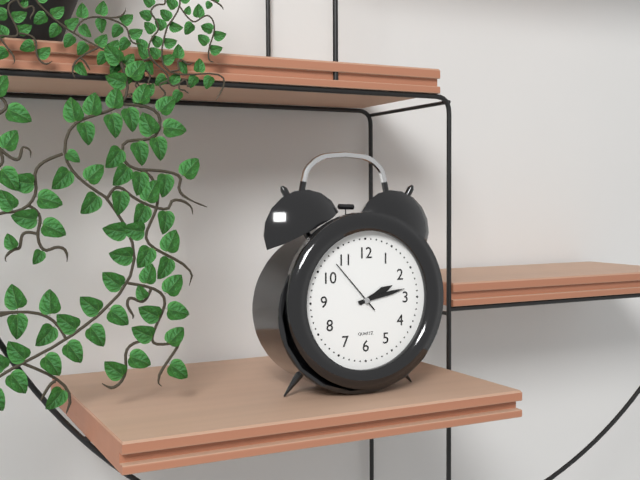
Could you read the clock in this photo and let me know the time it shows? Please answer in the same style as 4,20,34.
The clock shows 2,13,53
